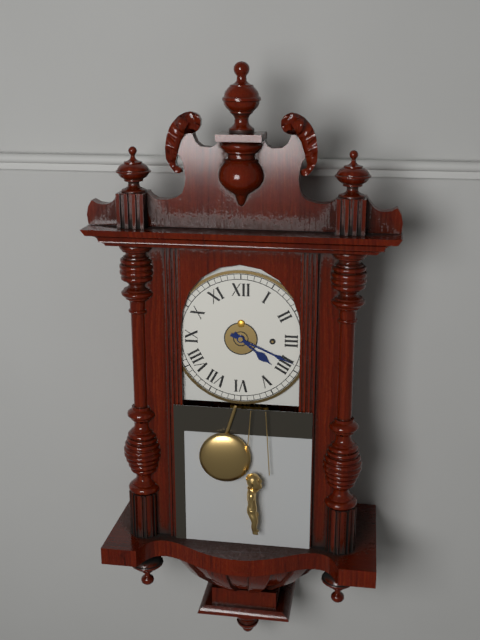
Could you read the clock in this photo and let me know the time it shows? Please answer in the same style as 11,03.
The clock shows 4,19
